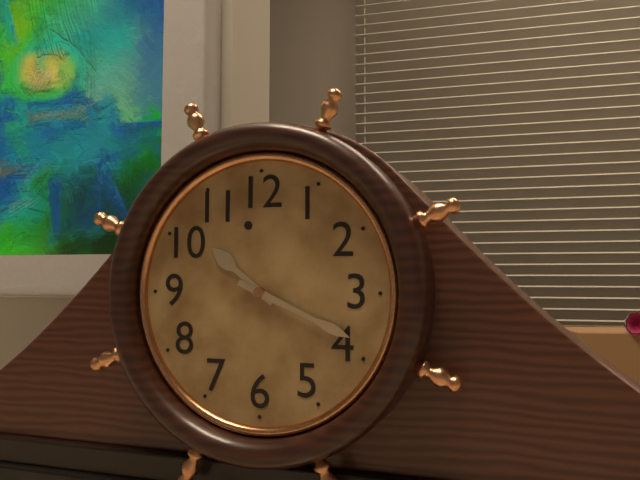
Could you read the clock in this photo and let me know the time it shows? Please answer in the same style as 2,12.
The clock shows 10,19
